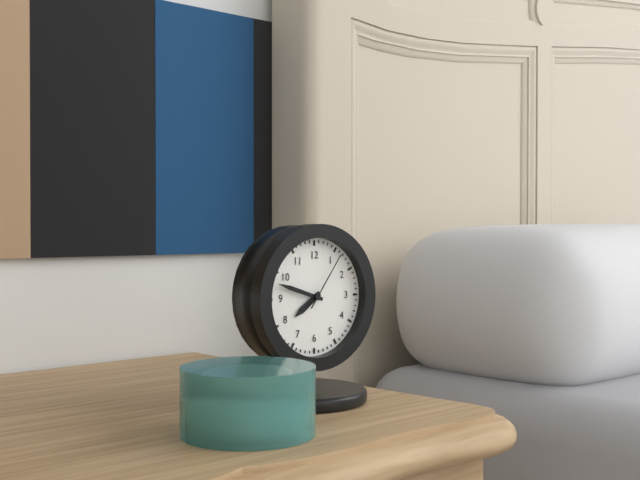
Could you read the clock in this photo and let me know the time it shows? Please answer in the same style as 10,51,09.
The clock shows 7,48,06
